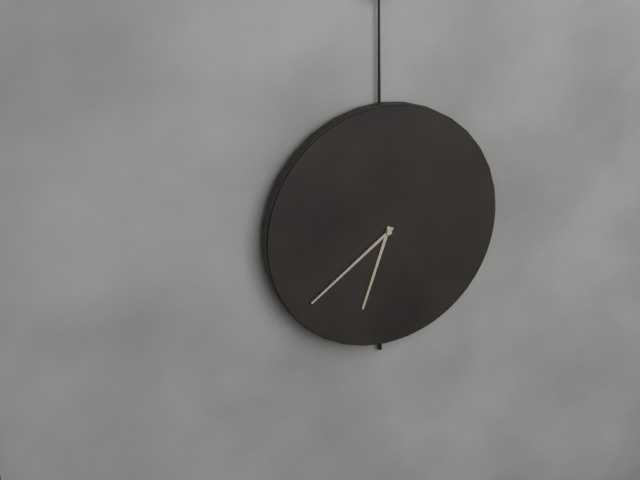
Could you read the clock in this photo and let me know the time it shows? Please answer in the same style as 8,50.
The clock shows 6,39
